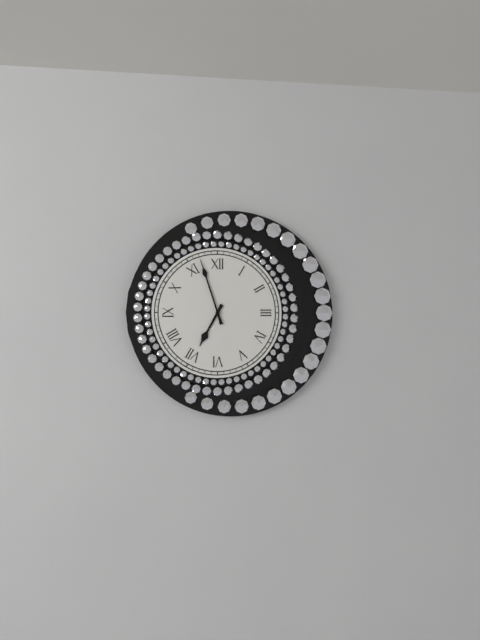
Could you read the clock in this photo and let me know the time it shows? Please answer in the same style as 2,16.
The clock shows 6,57
